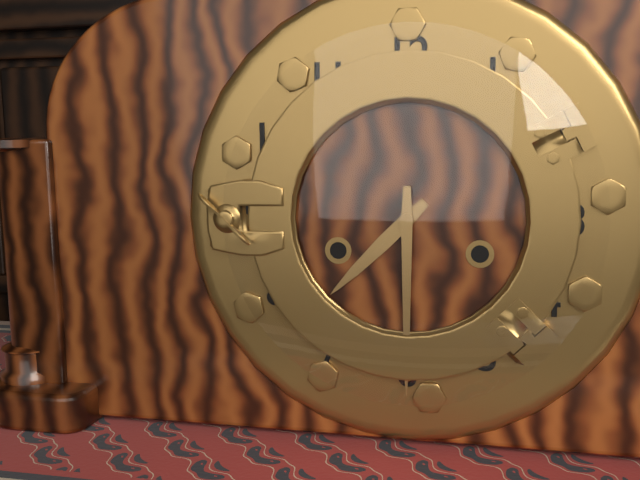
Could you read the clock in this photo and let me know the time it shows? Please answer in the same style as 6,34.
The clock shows 7,30
